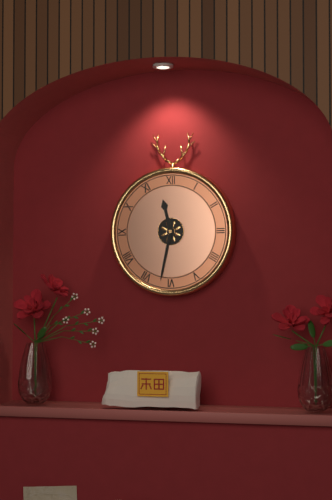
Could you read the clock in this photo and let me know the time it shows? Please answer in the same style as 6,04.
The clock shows 11,32
